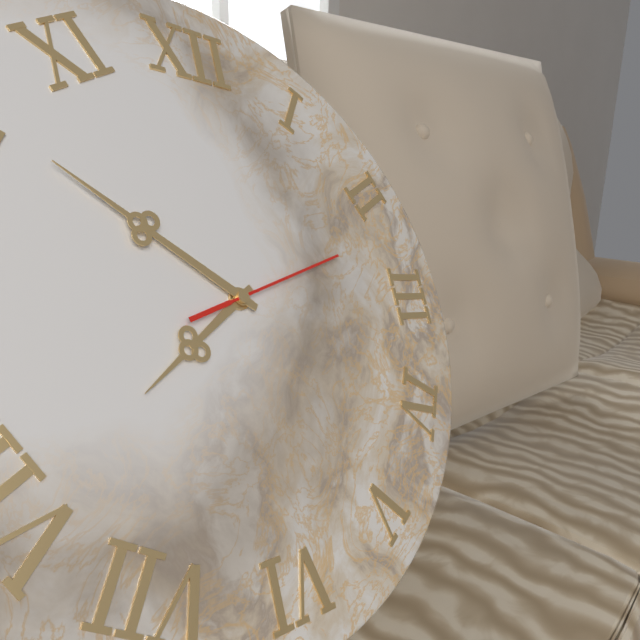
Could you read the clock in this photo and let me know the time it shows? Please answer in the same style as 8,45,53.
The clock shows 7,51,12
